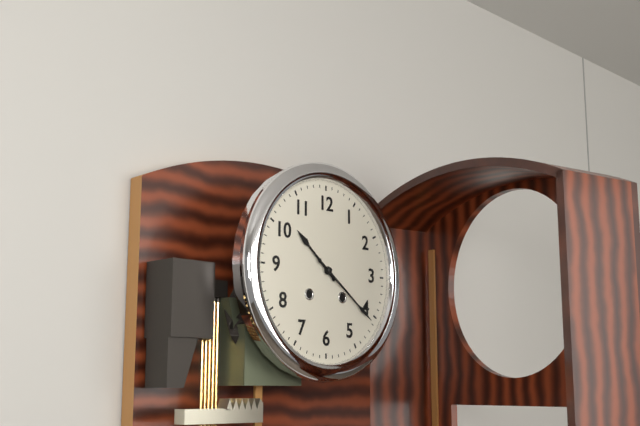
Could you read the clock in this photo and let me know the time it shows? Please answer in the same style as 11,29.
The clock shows 10,21
